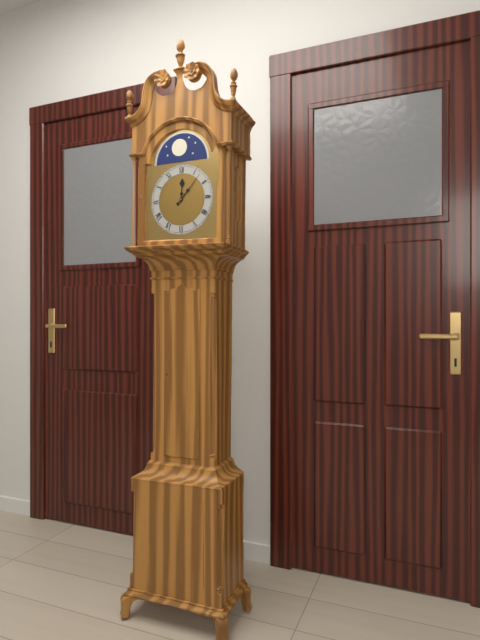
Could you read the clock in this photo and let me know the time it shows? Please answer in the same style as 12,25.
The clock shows 12,07
